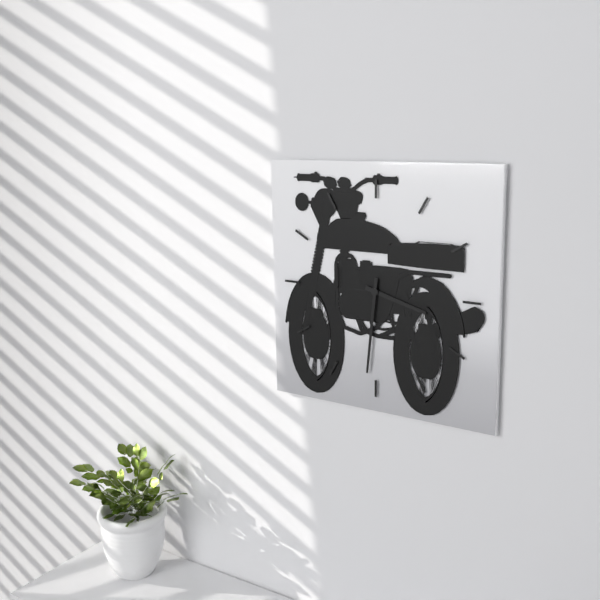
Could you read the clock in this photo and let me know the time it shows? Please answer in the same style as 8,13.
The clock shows 3,31
